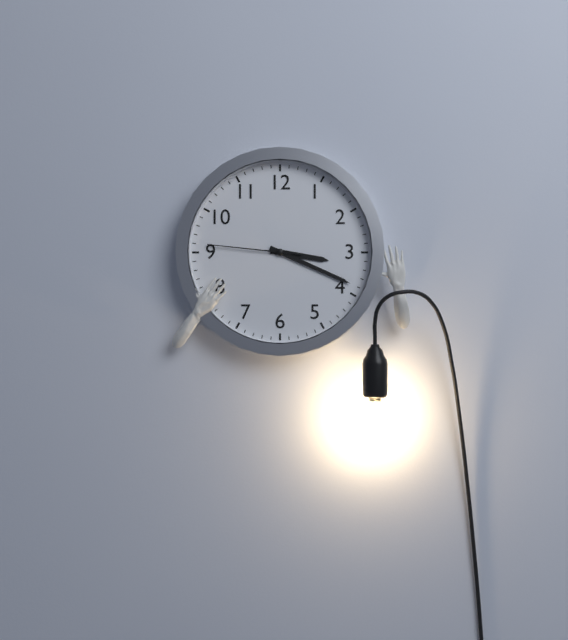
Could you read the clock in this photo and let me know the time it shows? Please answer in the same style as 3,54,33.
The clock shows 3,19,46
